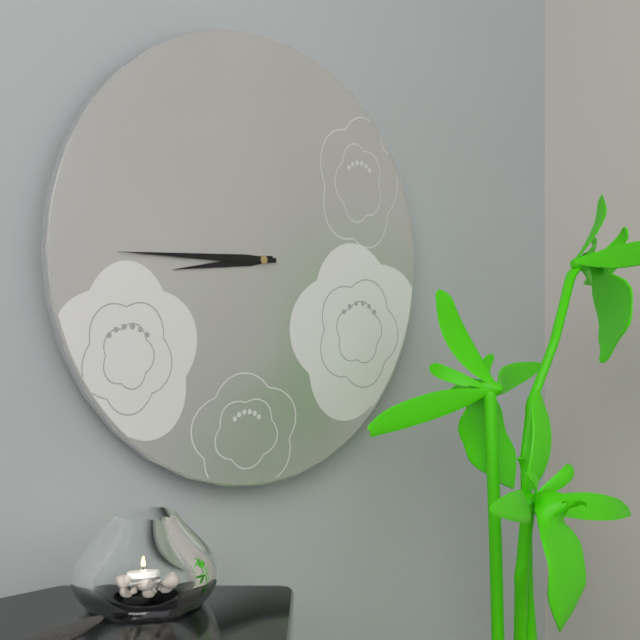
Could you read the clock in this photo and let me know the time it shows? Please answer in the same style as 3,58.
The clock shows 8,45
